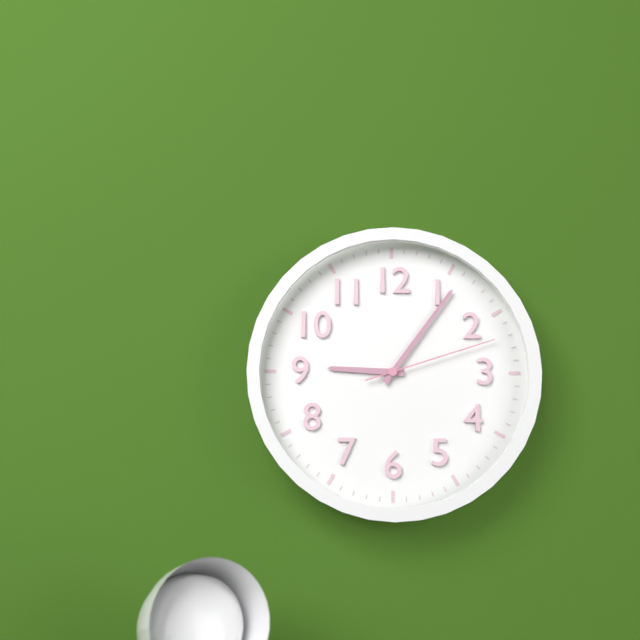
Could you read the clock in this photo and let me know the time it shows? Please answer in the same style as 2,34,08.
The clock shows 9,06,12
